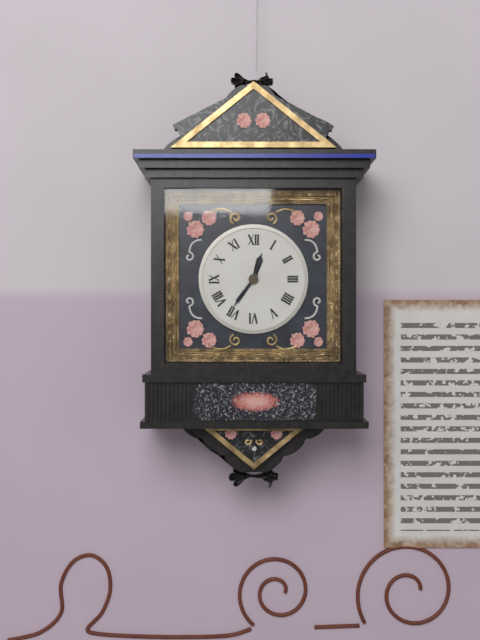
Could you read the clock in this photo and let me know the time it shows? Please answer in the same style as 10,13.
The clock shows 12,36
